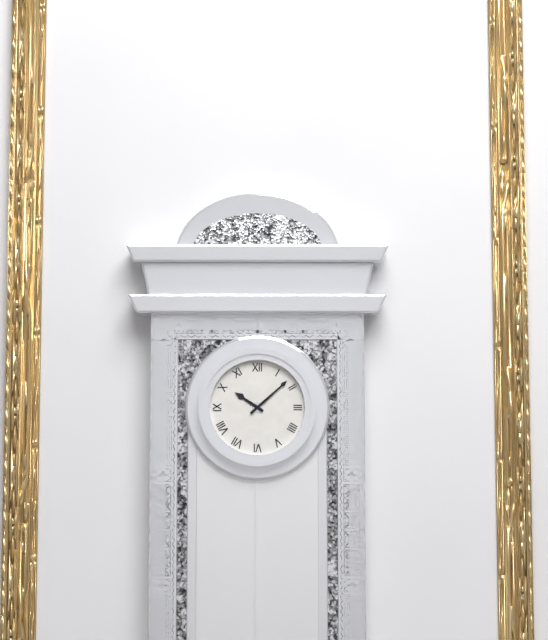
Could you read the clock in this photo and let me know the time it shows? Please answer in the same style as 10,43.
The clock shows 10,08
